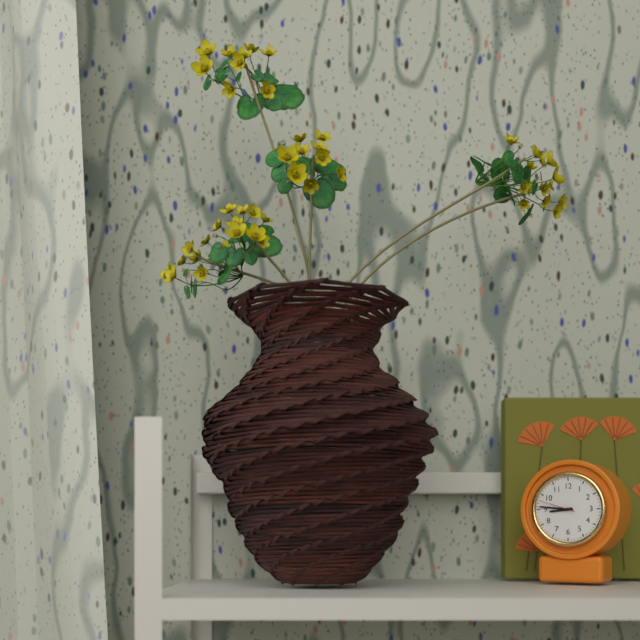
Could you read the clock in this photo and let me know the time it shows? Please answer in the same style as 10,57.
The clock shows 8,46
